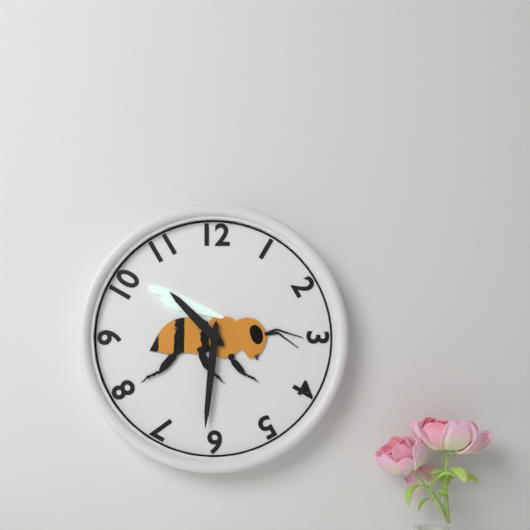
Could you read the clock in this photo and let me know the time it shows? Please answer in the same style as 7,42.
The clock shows 10,31
